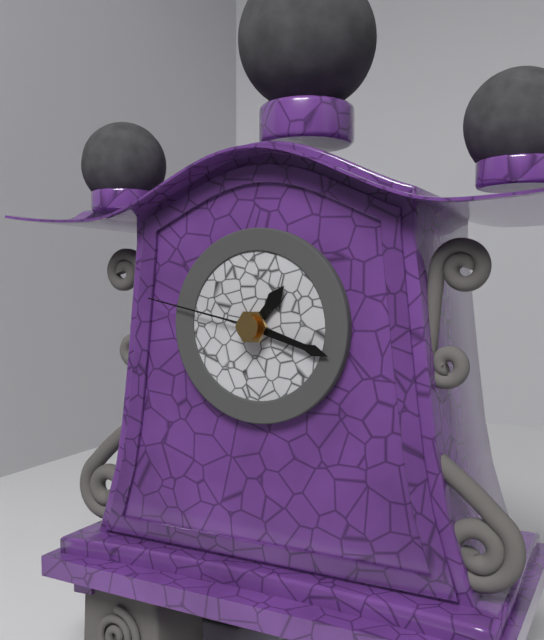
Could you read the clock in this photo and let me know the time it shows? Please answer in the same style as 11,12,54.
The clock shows 1,18,47
